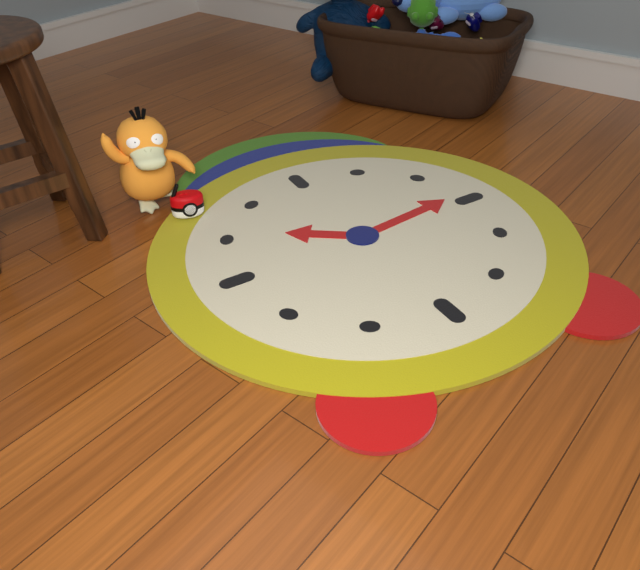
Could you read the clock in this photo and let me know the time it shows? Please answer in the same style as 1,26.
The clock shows 10,14
